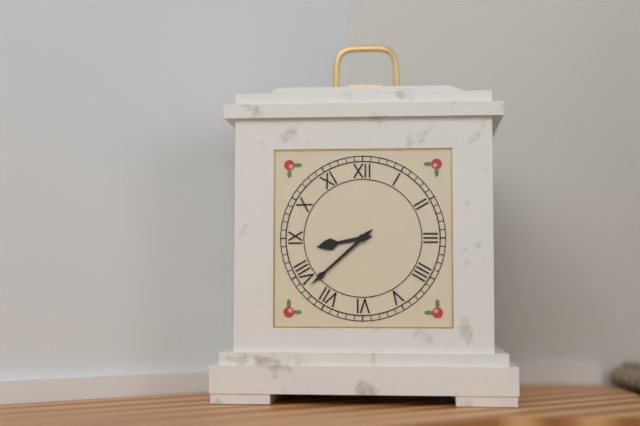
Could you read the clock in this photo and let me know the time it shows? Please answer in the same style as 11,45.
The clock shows 8,38
